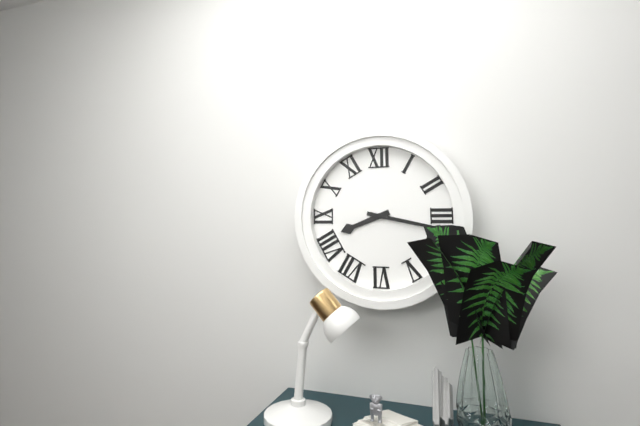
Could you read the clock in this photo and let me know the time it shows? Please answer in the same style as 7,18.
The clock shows 8,17
